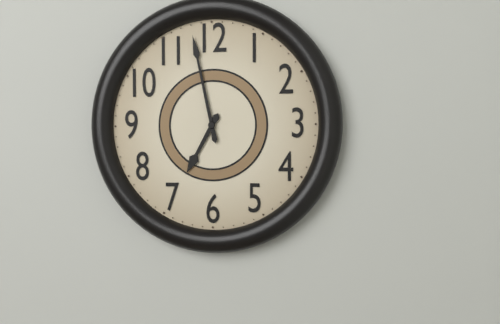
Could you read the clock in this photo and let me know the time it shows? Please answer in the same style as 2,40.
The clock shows 6,58
